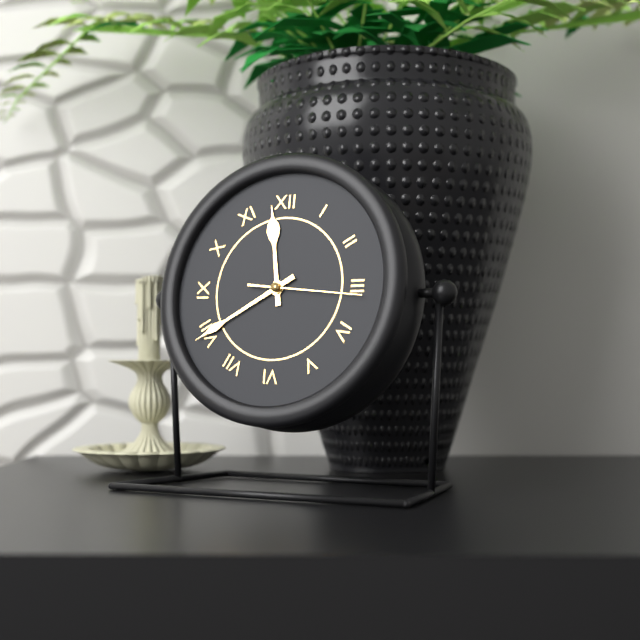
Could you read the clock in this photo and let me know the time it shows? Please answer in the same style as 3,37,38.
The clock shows 11,40,16
